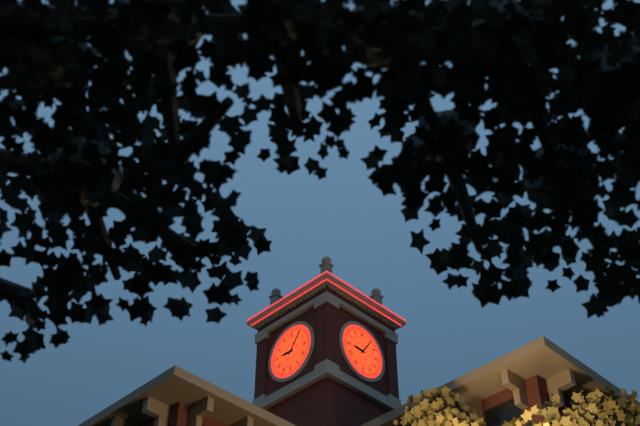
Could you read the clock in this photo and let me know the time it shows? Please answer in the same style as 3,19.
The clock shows 9,06
